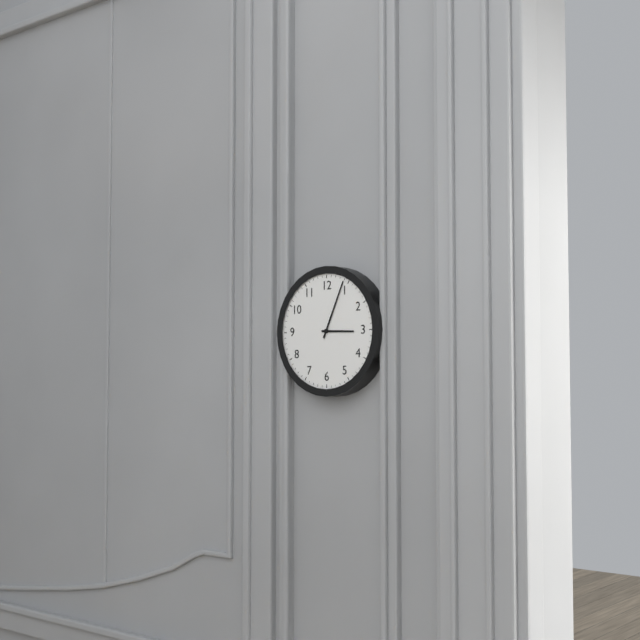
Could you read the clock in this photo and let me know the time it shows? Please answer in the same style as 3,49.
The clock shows 3,04
